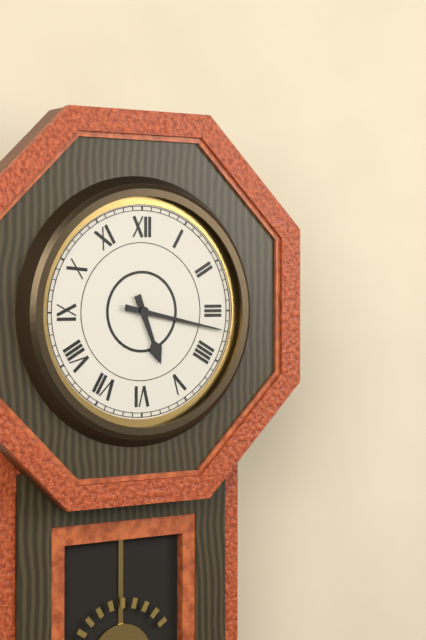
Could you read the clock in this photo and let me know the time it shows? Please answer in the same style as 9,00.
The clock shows 5,17
